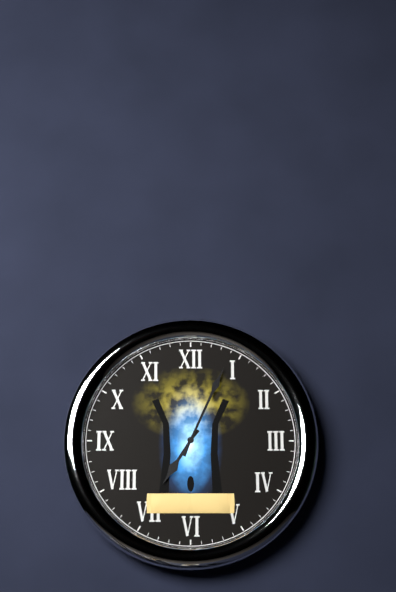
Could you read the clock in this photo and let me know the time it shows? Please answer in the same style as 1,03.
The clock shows 7,04
